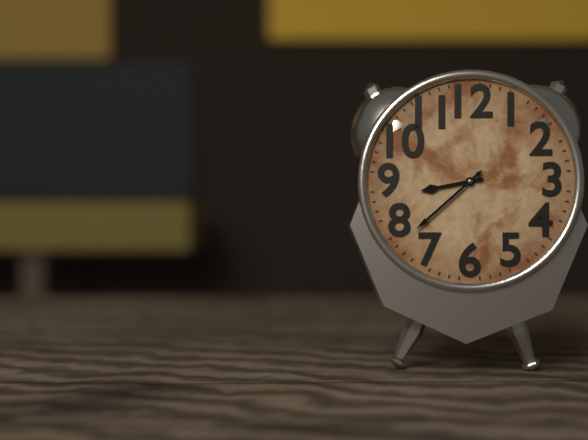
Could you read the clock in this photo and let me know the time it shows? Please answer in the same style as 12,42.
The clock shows 8,38
